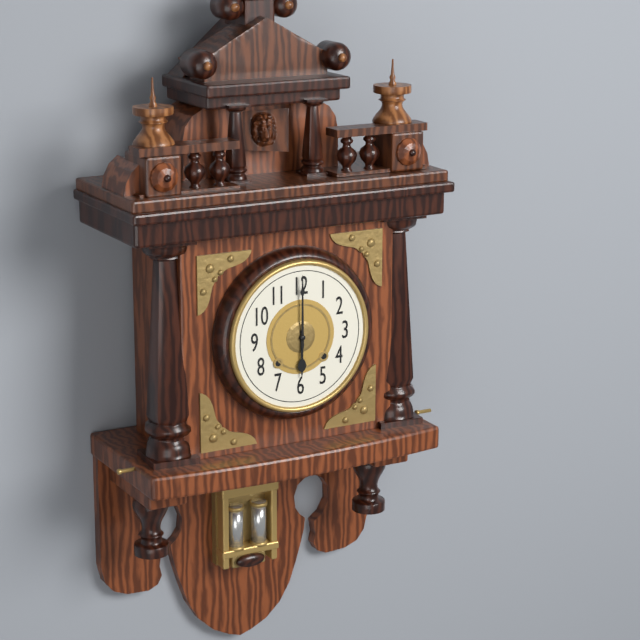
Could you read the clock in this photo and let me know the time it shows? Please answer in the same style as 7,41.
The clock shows 6,00
